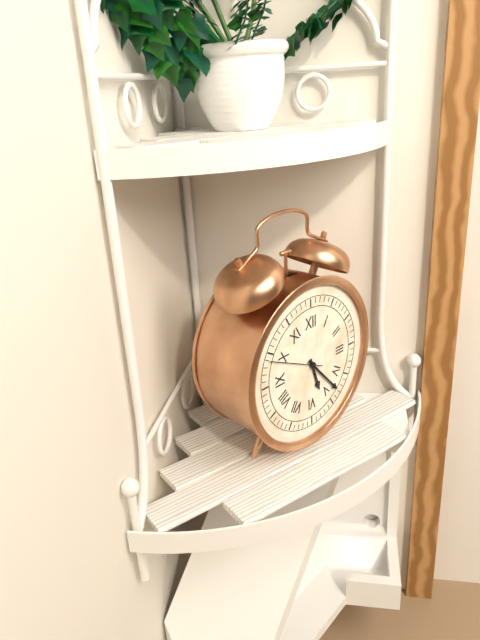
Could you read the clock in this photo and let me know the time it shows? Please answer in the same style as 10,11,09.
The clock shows 5,23,49
